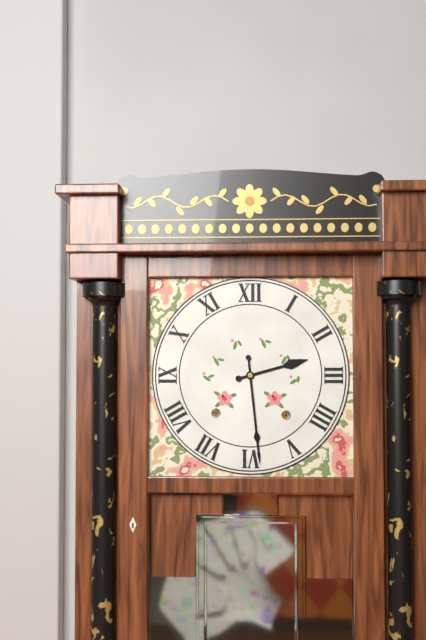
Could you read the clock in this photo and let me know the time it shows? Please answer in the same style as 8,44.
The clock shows 2,29
